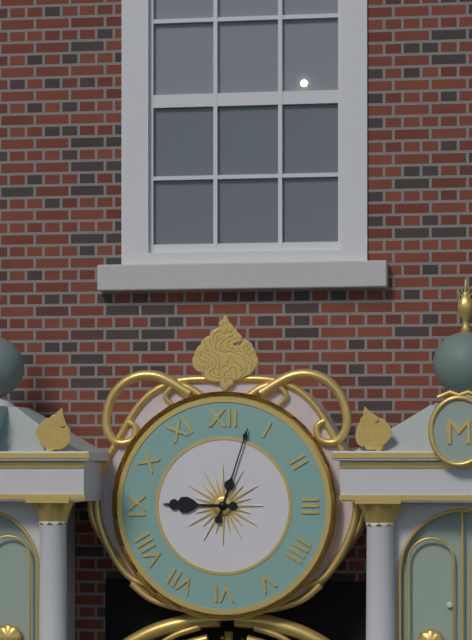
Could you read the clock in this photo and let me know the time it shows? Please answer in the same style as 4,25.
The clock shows 9,03
